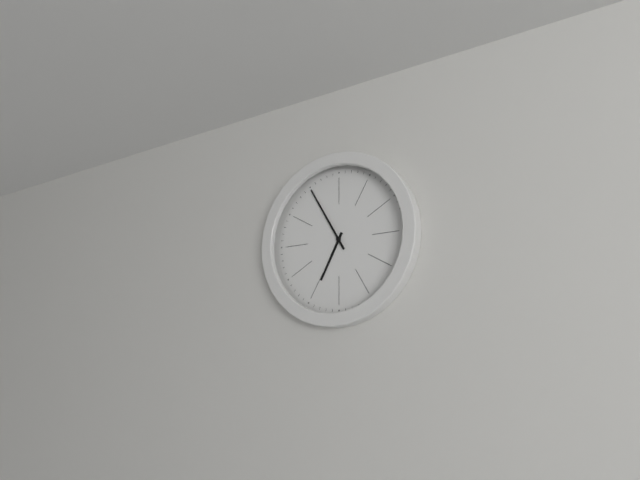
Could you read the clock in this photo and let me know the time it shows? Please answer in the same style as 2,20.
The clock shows 6,55
